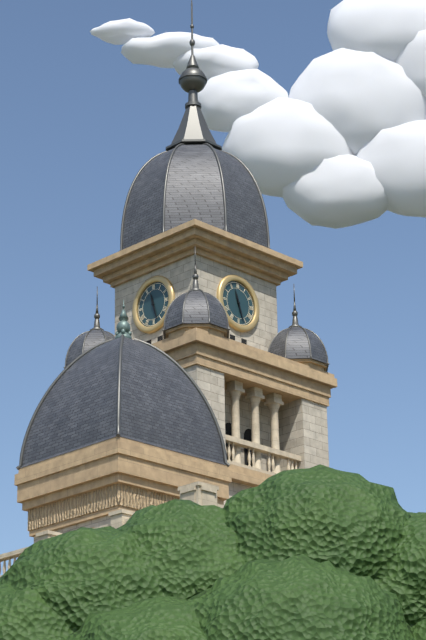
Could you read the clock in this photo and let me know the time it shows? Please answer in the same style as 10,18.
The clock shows 11,27
